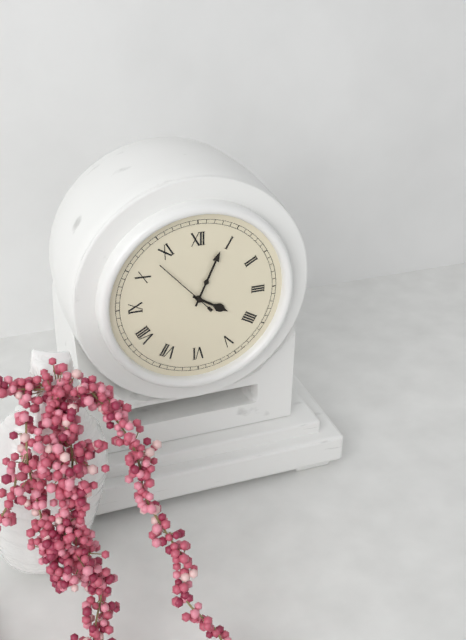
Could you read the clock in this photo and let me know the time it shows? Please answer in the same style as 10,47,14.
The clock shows 4,04,53
